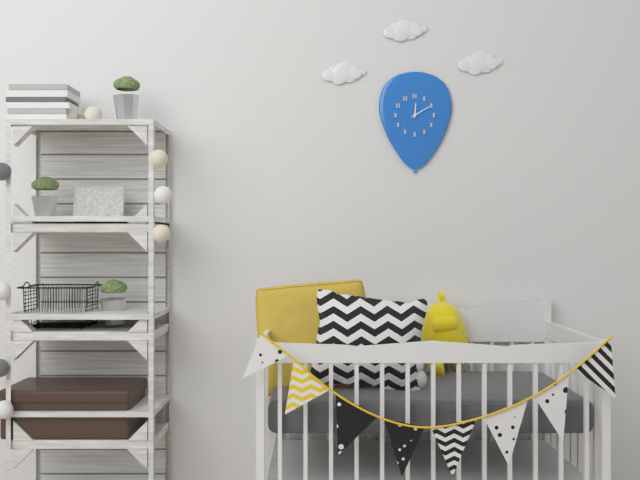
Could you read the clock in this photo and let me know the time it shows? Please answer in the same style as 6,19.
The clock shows 12,10
